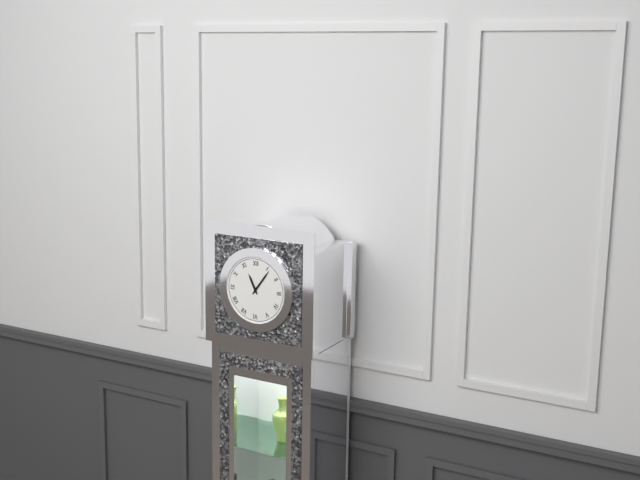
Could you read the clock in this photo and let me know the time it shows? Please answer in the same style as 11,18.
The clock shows 11,06
